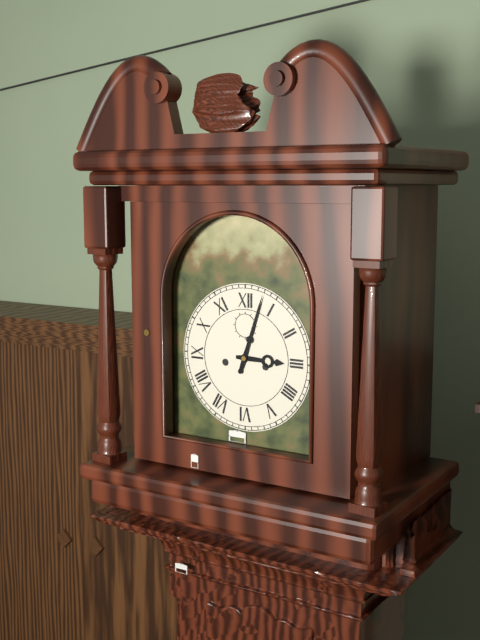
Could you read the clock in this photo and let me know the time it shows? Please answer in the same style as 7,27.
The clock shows 3,03
